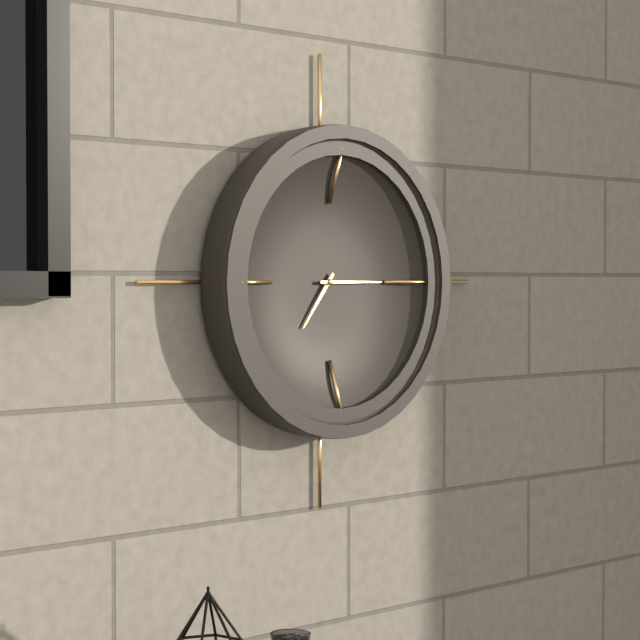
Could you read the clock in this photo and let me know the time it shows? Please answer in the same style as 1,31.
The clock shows 7,15
